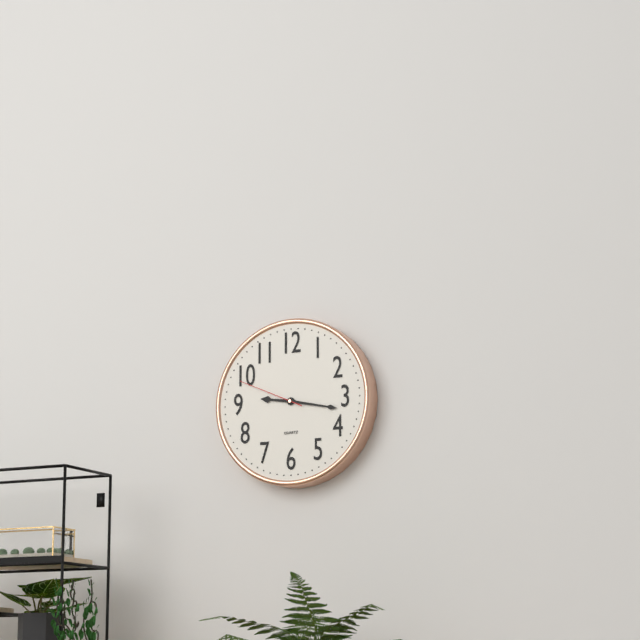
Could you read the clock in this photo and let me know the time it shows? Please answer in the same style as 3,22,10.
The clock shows 9,17,49
